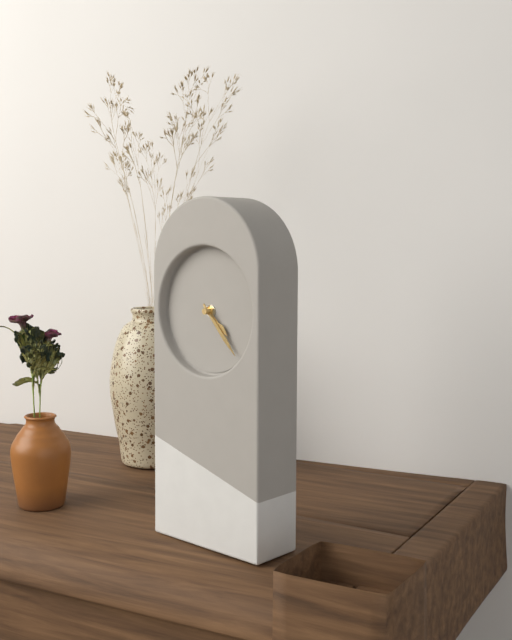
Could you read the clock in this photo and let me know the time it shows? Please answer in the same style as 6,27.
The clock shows 4,23
